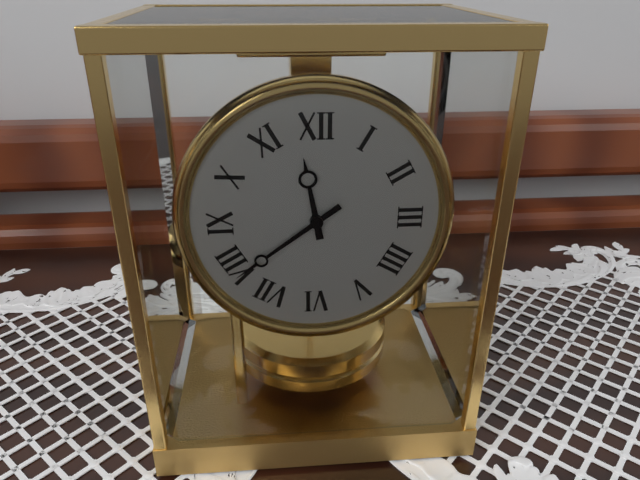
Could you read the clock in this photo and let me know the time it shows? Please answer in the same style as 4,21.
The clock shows 11,39
